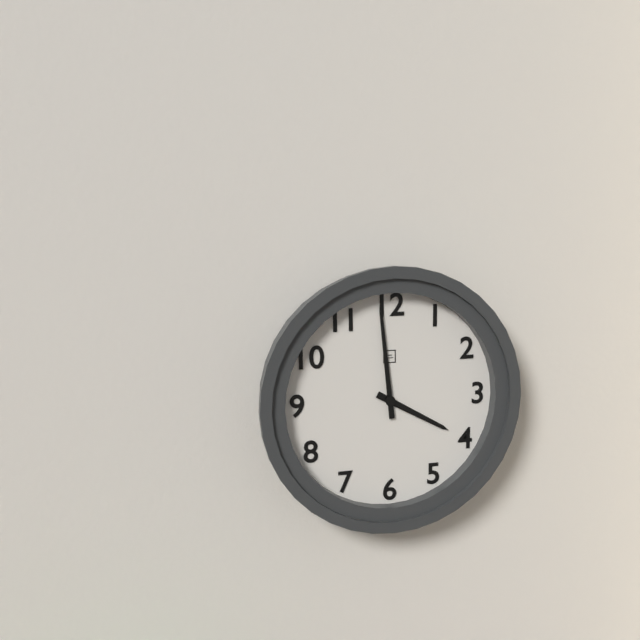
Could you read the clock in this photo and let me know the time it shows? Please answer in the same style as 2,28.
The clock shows 3,59
